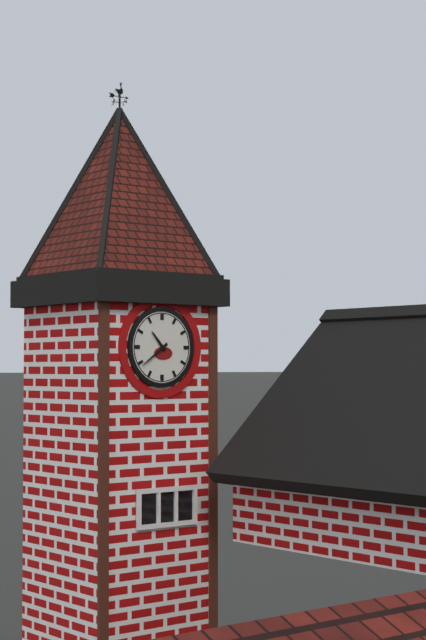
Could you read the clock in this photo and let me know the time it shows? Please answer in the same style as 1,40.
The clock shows 10,39
